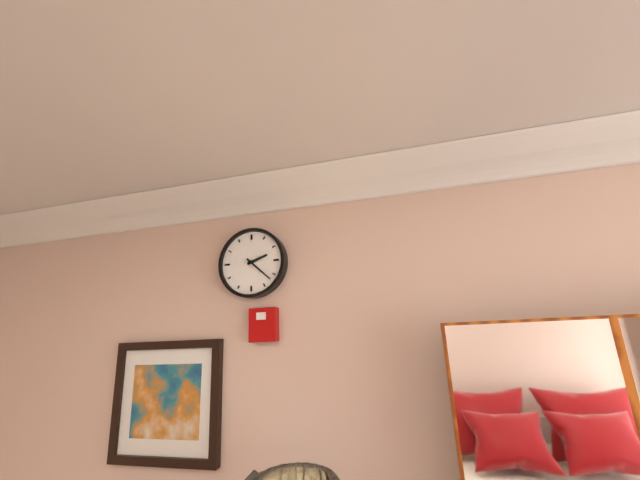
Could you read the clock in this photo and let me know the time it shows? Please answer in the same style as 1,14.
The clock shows 2,22
